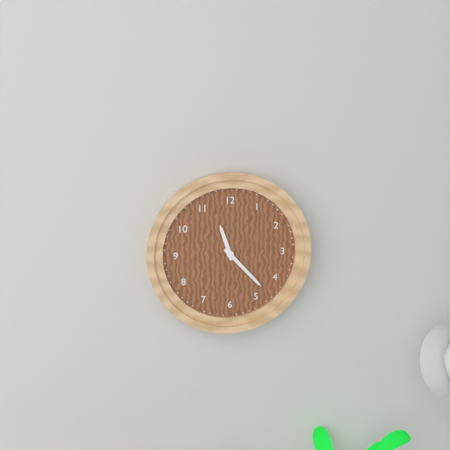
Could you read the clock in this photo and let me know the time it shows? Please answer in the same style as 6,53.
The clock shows 11,23
